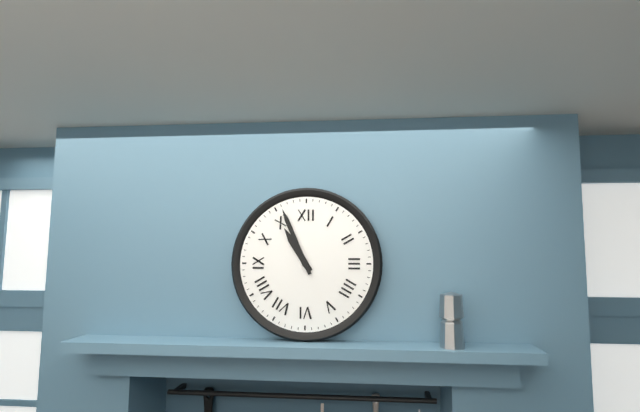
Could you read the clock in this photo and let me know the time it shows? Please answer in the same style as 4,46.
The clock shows 10,56
